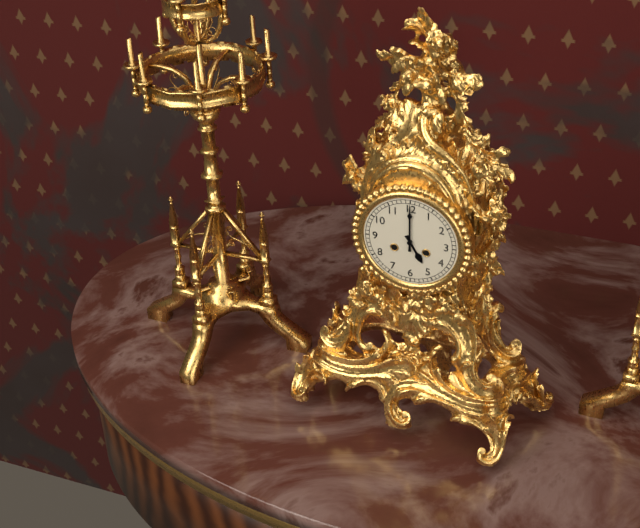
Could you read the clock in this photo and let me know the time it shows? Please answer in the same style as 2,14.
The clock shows 5,00
